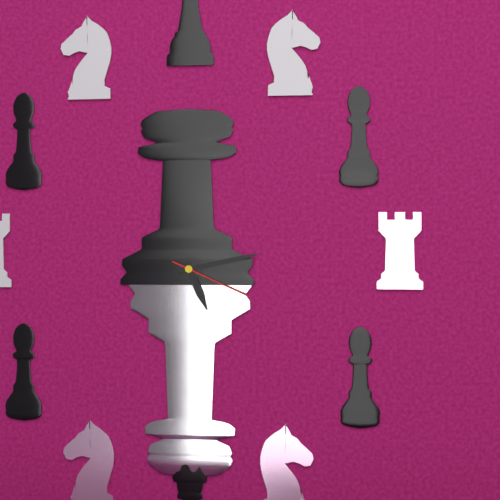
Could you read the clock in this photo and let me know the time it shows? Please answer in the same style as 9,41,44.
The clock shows 5,13,19
